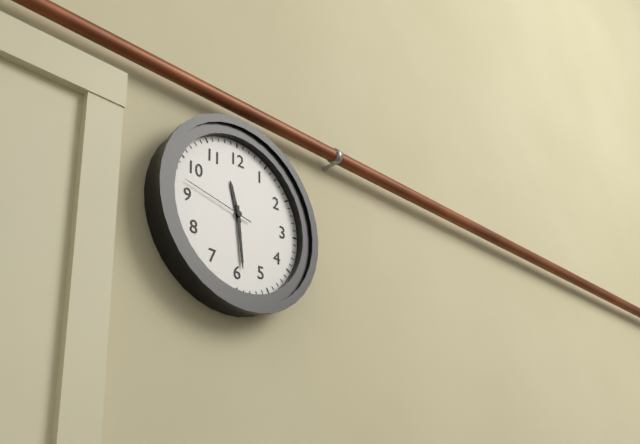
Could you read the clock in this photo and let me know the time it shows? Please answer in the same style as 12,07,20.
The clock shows 11,29,47
